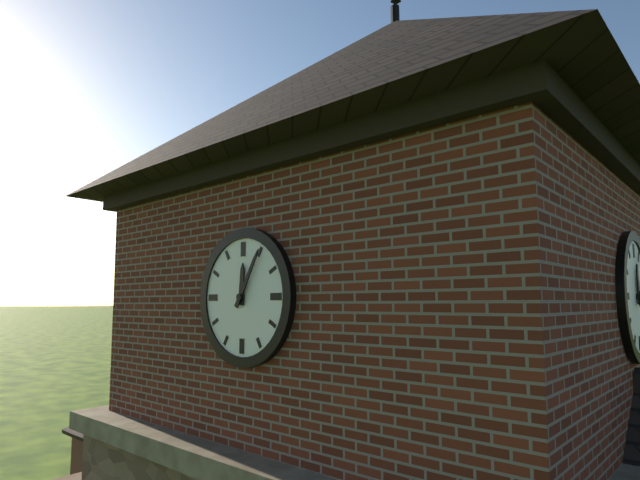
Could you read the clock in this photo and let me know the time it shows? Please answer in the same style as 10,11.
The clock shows 12,05
